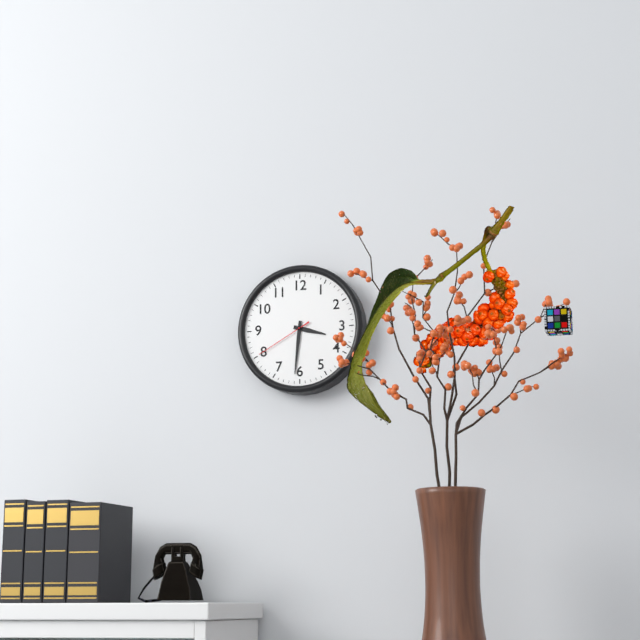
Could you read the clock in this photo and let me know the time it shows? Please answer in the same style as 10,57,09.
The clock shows 3,31,40
